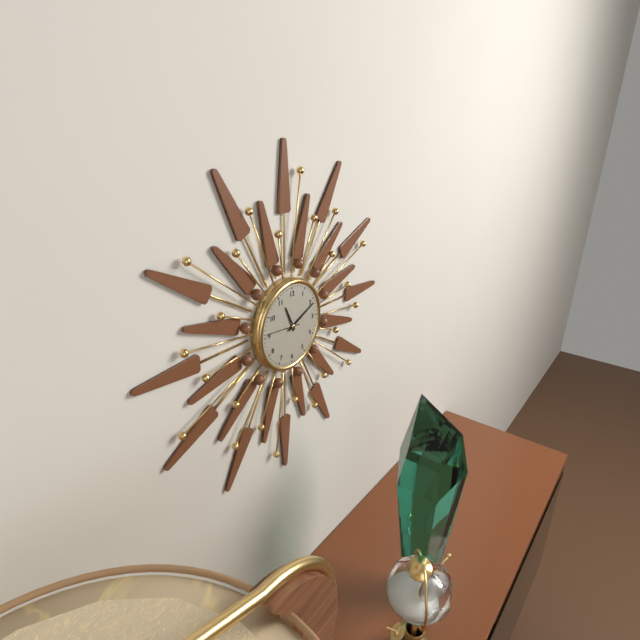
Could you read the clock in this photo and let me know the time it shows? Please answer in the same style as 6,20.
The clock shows 11,11
